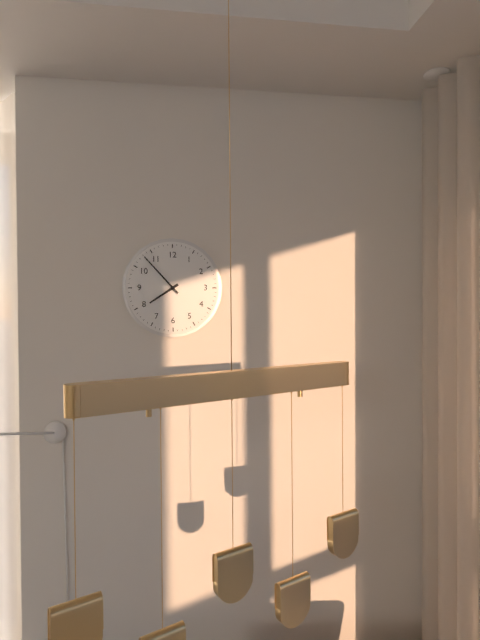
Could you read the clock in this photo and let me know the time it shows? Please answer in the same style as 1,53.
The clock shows 7,53
